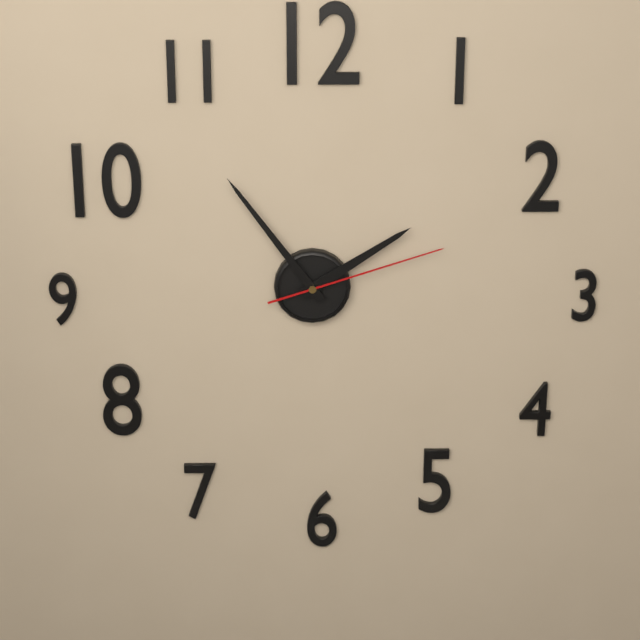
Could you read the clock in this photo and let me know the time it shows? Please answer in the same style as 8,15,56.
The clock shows 1,54,12
